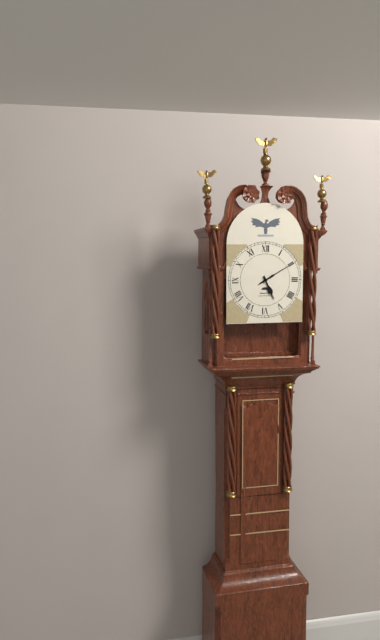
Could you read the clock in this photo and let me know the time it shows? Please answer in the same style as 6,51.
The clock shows 5,10
